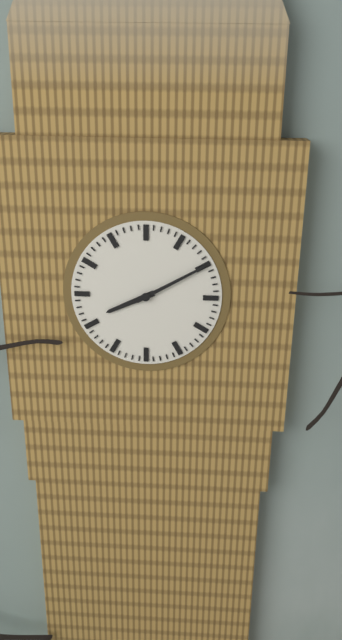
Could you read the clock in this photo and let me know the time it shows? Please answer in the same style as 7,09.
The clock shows 8,10
